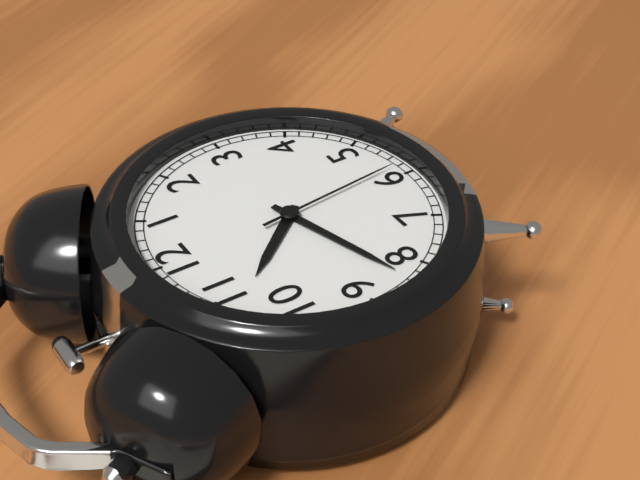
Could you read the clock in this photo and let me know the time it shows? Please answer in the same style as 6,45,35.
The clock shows 10,42,29
